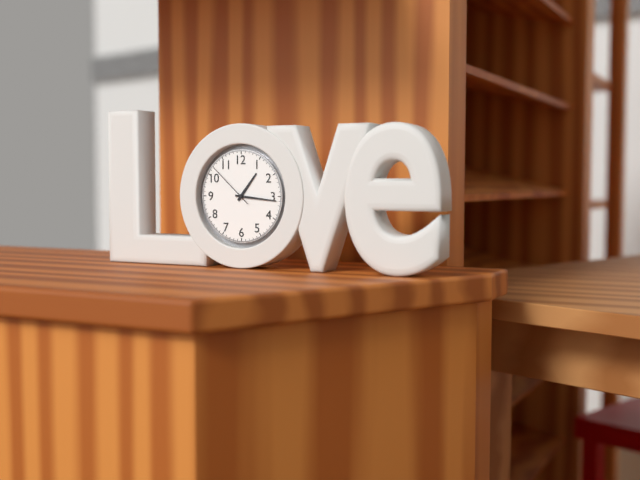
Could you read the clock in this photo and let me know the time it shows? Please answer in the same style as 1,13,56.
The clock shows 1,16,52
